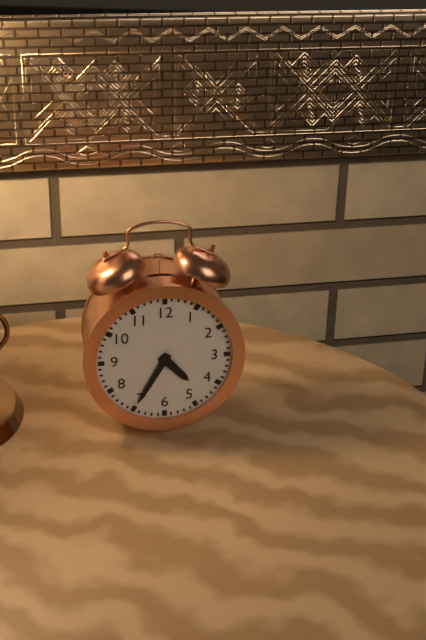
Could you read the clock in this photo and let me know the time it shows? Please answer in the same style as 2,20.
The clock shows 4,35
